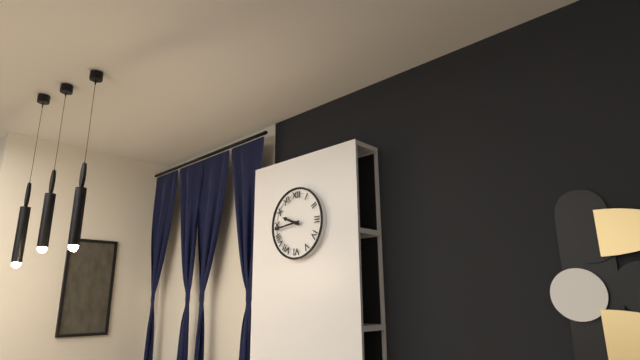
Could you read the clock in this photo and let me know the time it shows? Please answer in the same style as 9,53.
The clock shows 9,44
